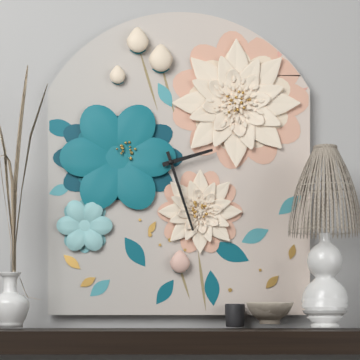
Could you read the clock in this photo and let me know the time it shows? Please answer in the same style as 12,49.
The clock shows 2,27
